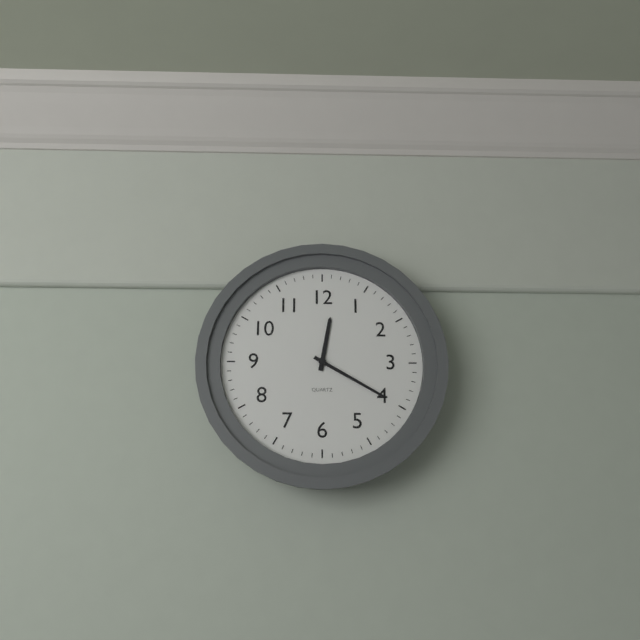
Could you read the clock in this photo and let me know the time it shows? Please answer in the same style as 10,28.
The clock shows 12,20
